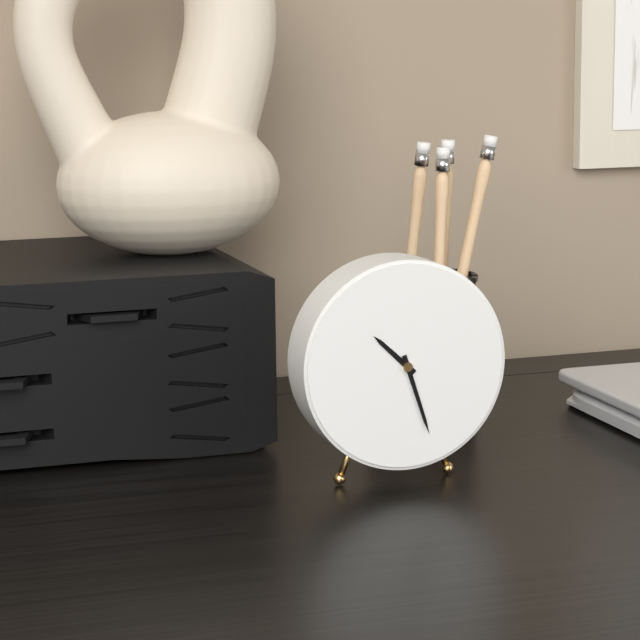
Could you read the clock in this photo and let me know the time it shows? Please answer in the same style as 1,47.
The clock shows 10,27
